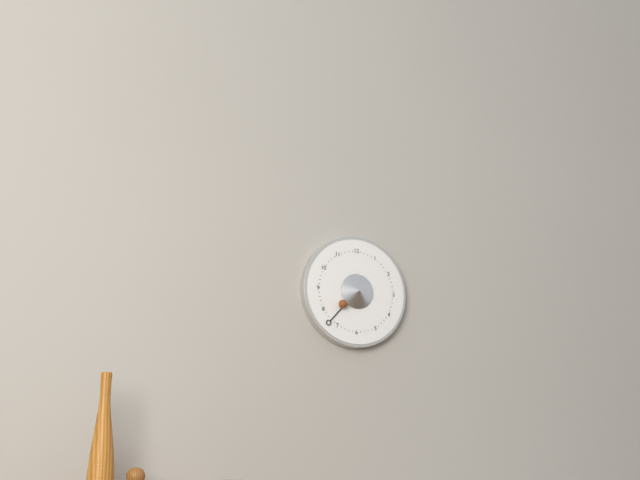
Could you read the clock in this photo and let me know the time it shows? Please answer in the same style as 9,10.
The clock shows 7,37
